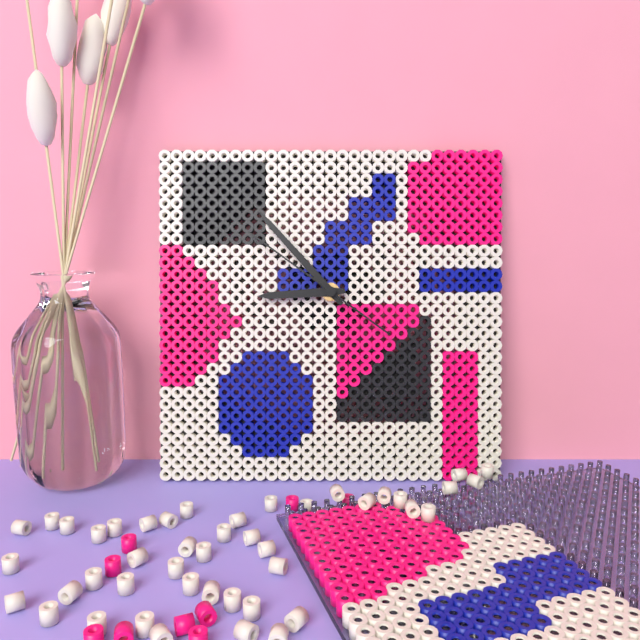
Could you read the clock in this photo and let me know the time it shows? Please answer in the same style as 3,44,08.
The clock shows 8,53,51
